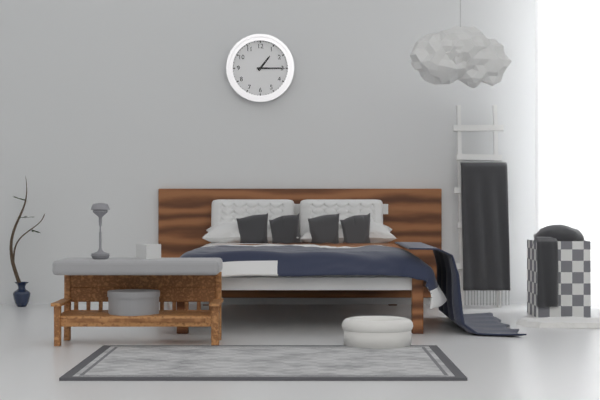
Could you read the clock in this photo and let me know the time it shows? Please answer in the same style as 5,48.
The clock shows 1,15
